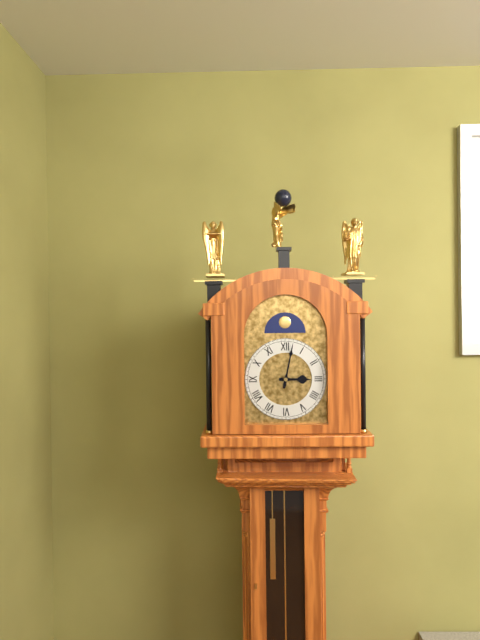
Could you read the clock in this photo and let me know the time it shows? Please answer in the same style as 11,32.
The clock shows 3,02
